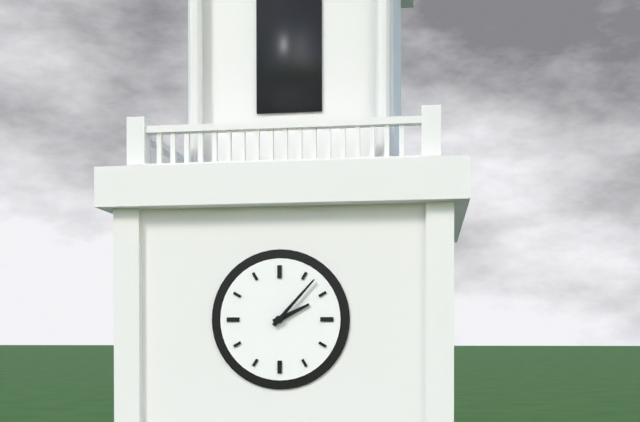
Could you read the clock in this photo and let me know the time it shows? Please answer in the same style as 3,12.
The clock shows 2,07
